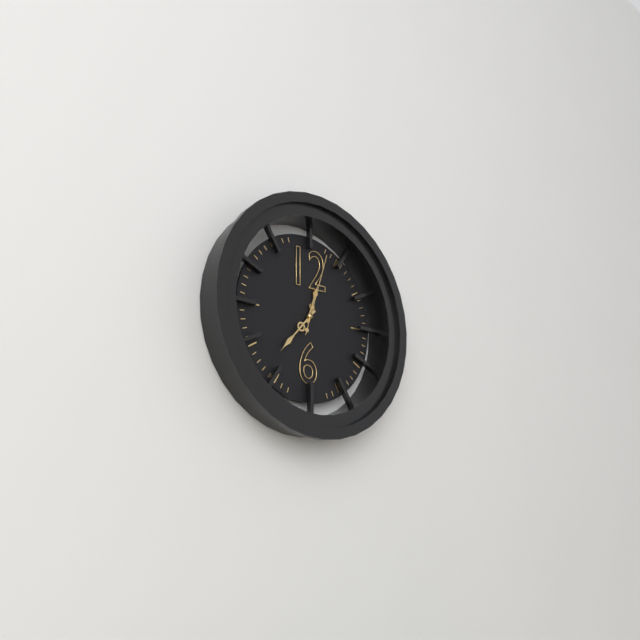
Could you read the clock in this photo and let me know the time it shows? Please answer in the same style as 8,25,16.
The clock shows 12,37,03
